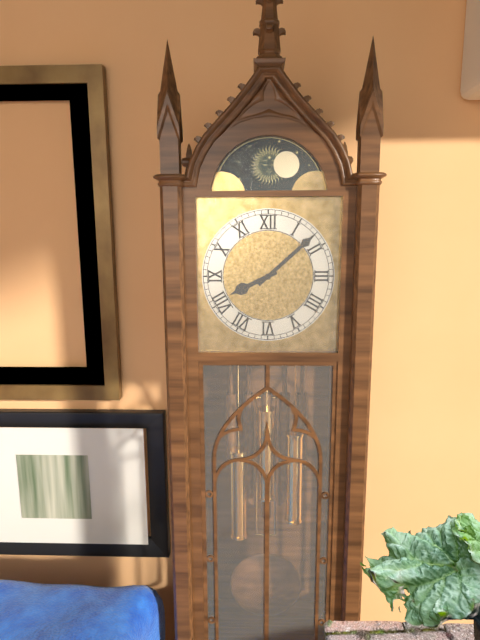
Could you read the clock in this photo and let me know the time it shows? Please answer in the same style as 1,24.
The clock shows 8,08
